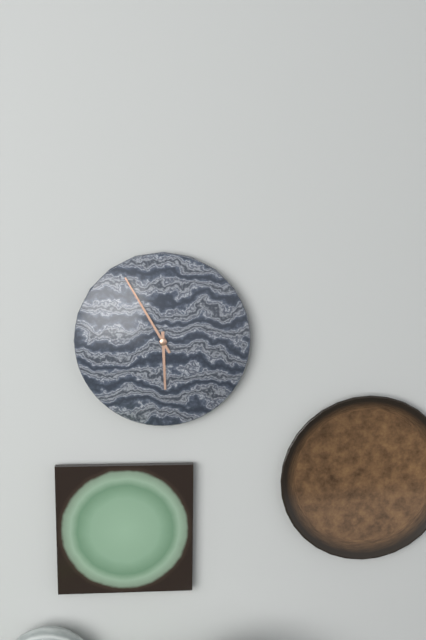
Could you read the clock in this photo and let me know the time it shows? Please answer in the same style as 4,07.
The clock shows 5,55
